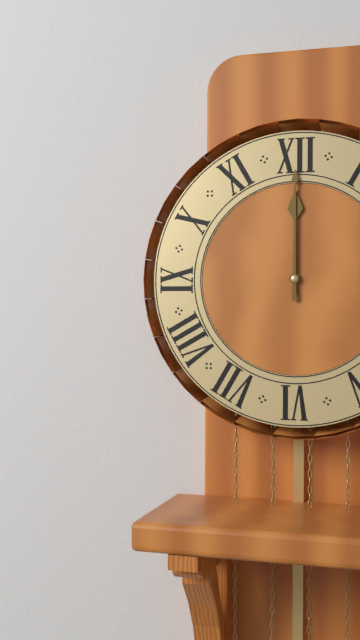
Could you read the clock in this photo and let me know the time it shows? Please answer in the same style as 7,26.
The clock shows 12,00
